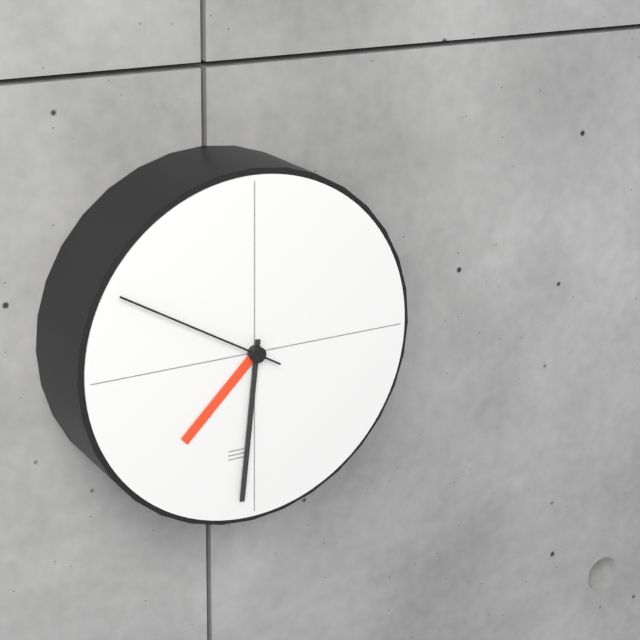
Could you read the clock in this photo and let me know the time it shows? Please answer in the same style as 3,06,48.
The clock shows 7,31,50
